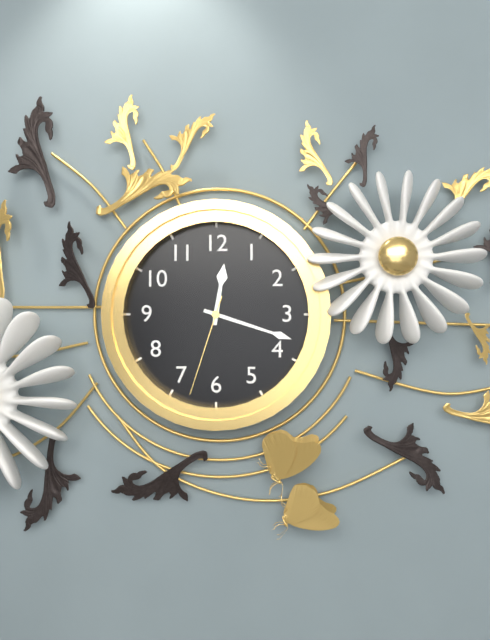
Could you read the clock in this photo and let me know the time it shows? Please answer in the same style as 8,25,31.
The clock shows 12,18,33
